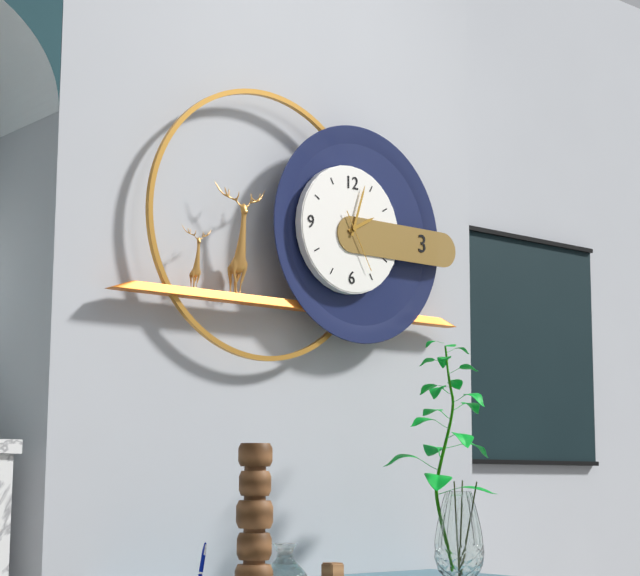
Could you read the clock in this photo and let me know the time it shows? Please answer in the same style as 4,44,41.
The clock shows 2,03,25
